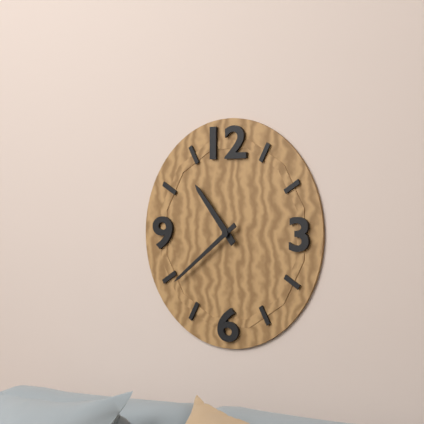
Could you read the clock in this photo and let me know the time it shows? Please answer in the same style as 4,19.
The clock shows 10,39
